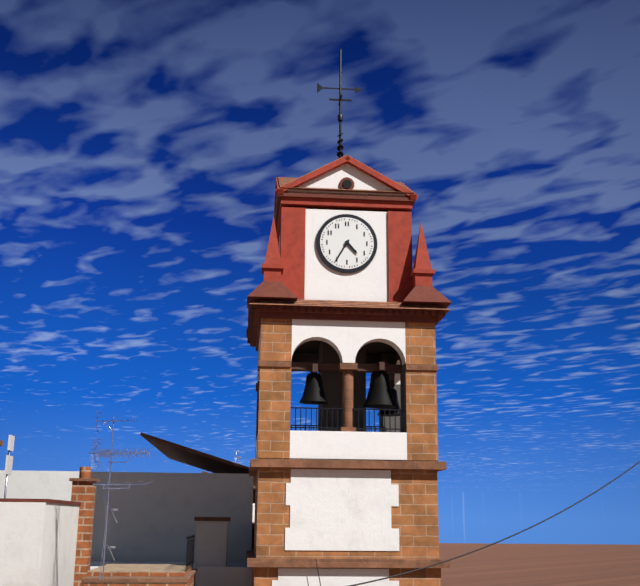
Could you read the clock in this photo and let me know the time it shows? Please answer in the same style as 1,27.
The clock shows 4,35
